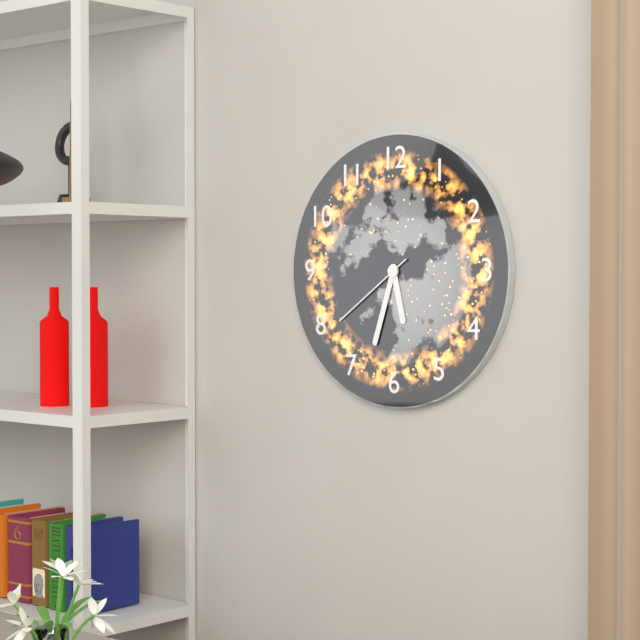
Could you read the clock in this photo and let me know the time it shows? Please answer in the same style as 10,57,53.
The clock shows 5,33,39
